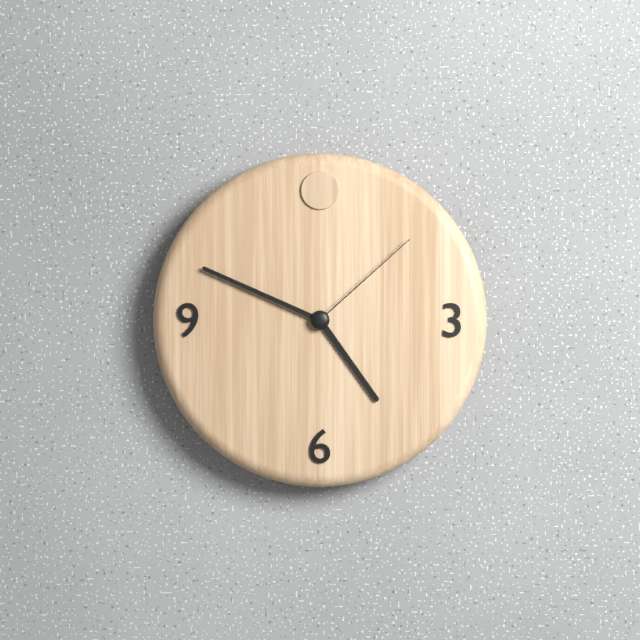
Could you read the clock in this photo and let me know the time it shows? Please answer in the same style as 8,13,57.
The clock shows 4,49,08
